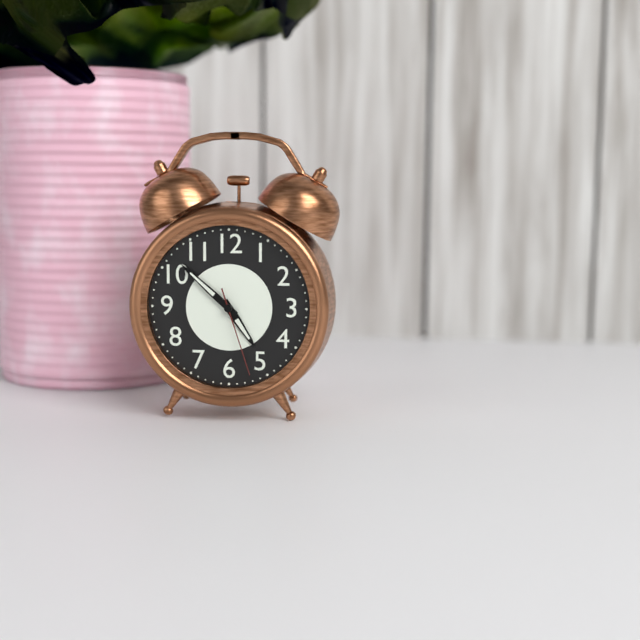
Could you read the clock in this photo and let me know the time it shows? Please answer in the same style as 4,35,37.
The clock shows 4,52,27
